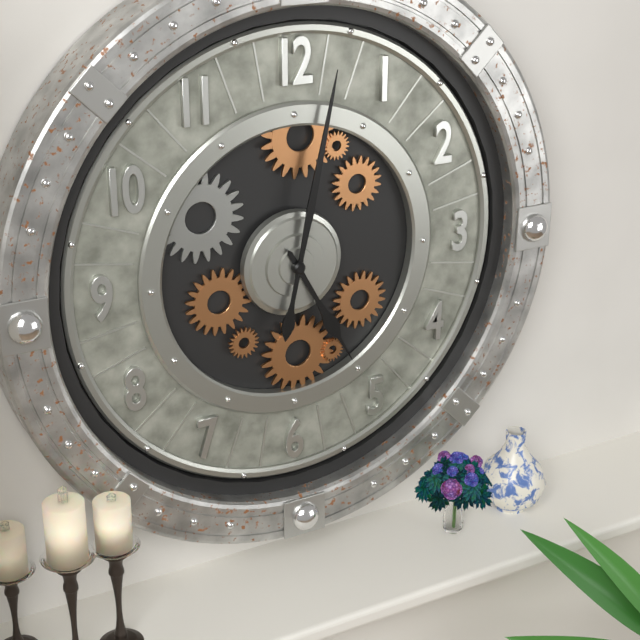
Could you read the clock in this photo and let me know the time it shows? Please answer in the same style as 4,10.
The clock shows 5,02
